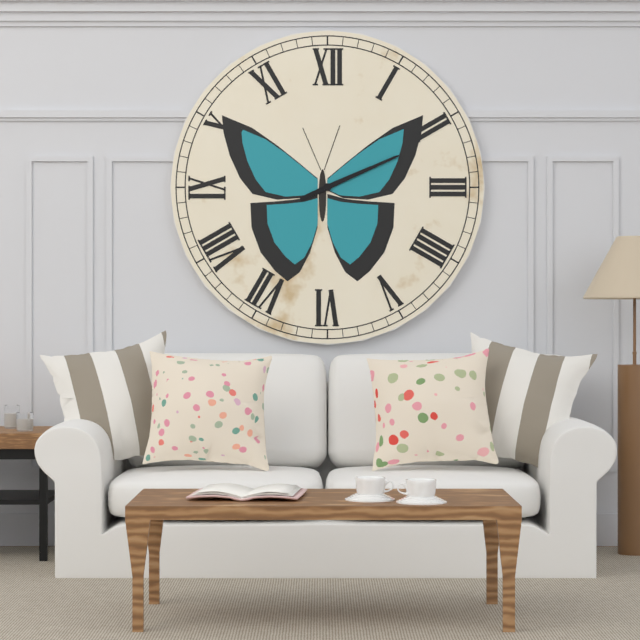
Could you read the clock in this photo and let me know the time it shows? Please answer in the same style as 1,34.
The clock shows 2,11
